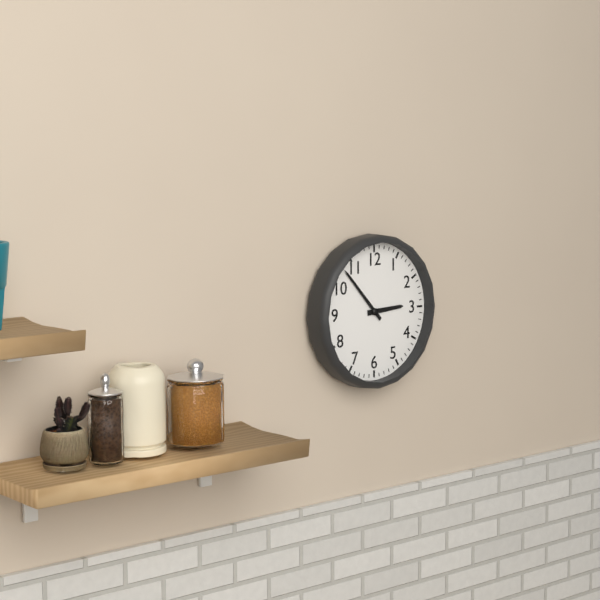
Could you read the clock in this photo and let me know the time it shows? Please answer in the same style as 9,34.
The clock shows 2,53
